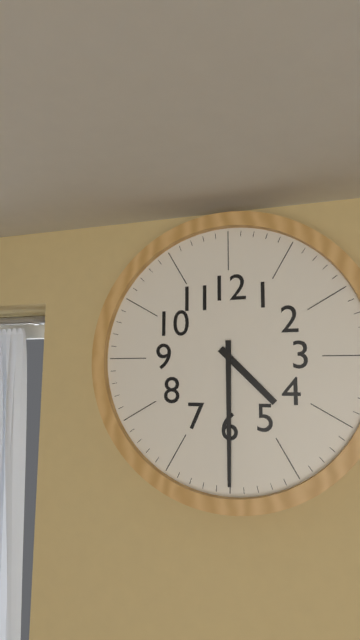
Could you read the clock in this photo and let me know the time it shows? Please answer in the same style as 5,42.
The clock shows 4,30
